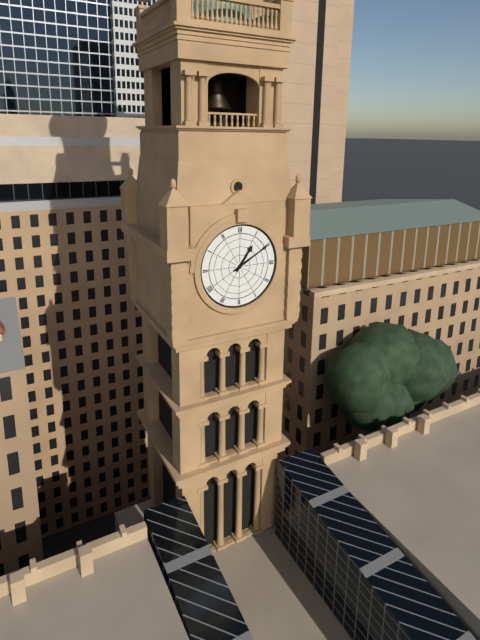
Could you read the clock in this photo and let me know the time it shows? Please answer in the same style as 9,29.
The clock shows 1,10
